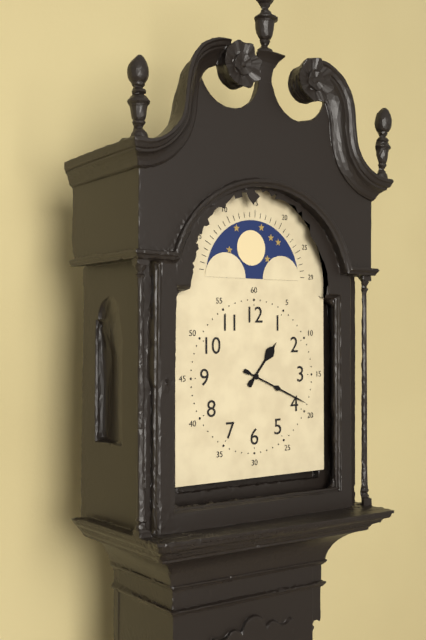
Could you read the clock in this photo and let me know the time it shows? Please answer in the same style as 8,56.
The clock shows 1,19
